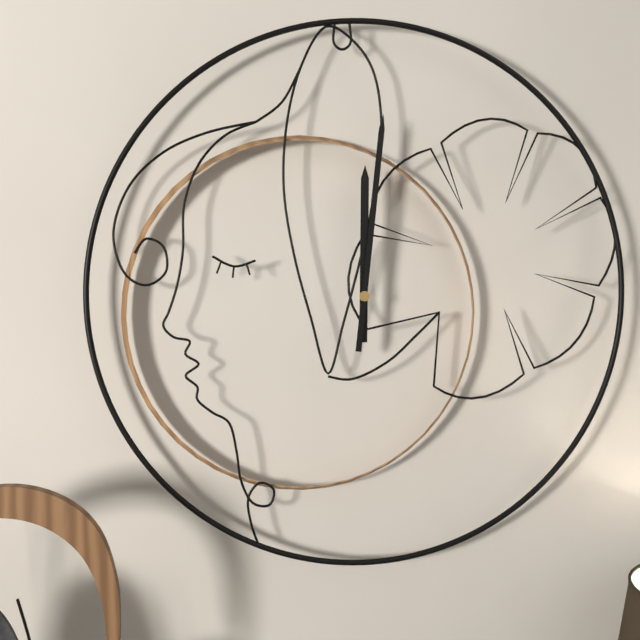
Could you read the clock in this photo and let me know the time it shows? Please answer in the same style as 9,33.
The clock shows 12,01
